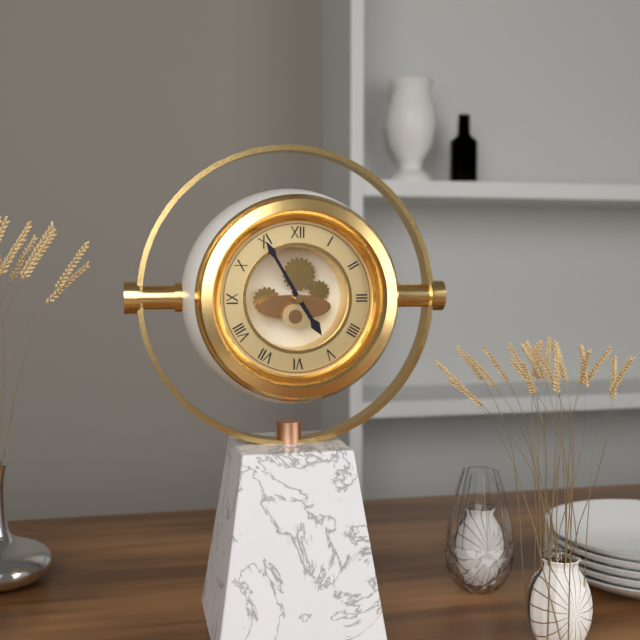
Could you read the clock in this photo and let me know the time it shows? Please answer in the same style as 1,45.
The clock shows 4,55
